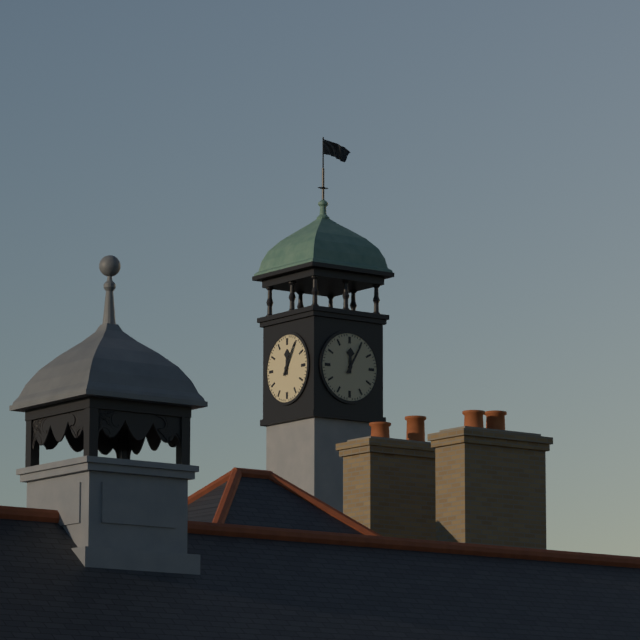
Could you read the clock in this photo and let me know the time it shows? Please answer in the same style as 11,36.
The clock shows 12,05
